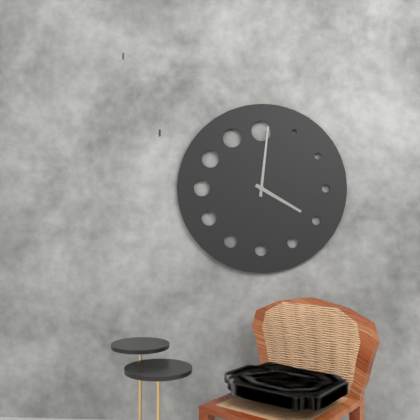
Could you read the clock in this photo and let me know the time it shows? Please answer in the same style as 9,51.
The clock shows 4,01
